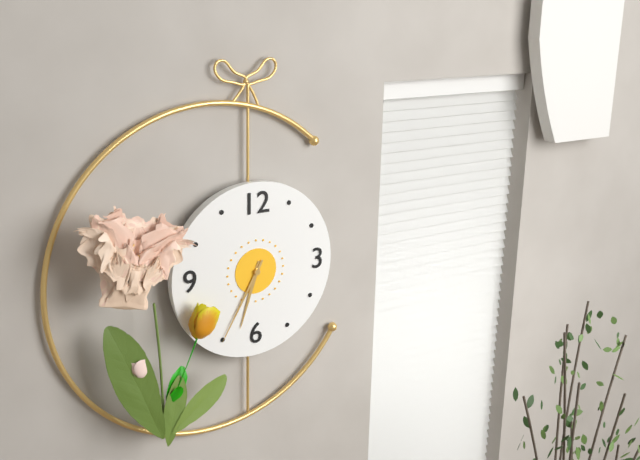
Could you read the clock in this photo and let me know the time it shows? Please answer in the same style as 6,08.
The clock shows 6,35
